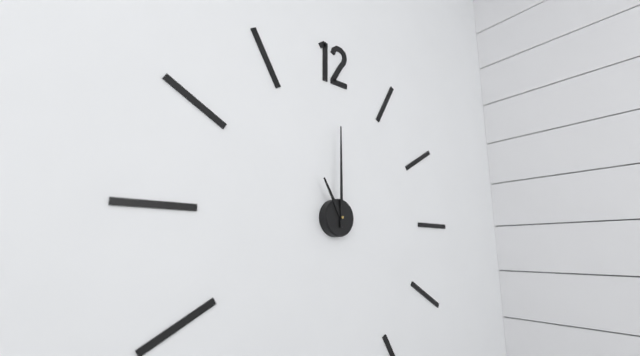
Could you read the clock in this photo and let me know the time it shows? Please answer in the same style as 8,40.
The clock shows 11,00
